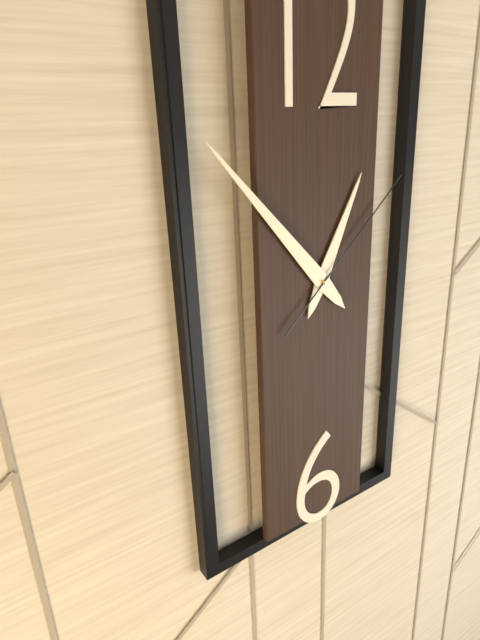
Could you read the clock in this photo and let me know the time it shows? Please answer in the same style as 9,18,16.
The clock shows 12,53,08
